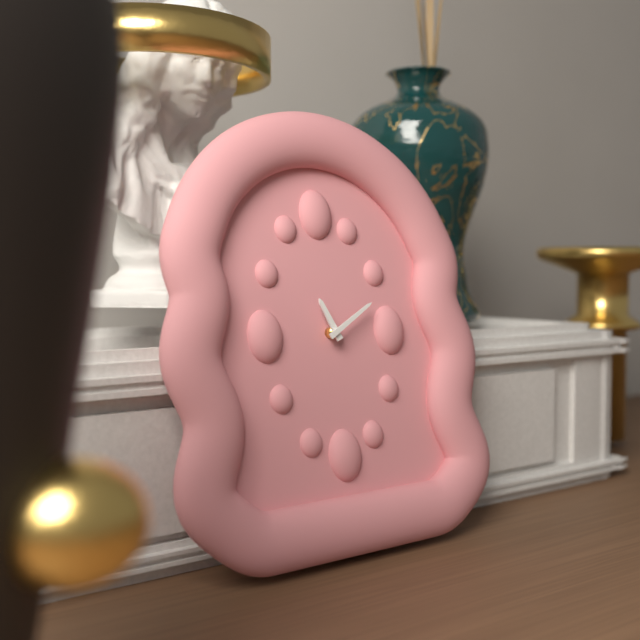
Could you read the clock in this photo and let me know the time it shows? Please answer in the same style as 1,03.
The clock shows 11,10
